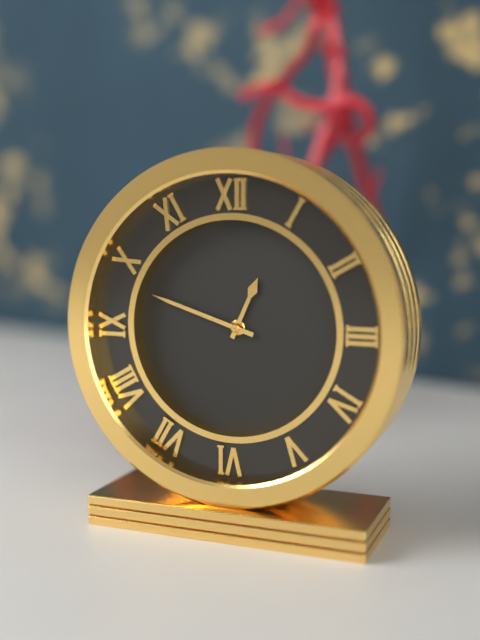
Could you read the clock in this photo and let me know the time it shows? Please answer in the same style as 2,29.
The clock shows 12,48
